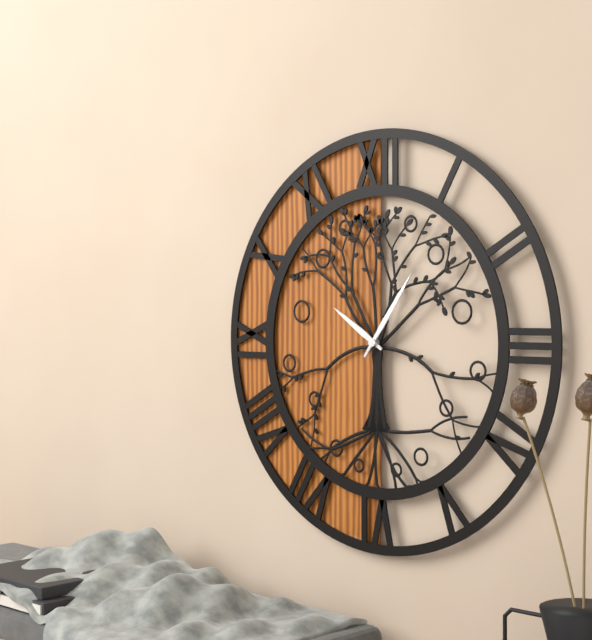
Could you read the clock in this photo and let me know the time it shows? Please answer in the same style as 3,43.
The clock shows 10,06
